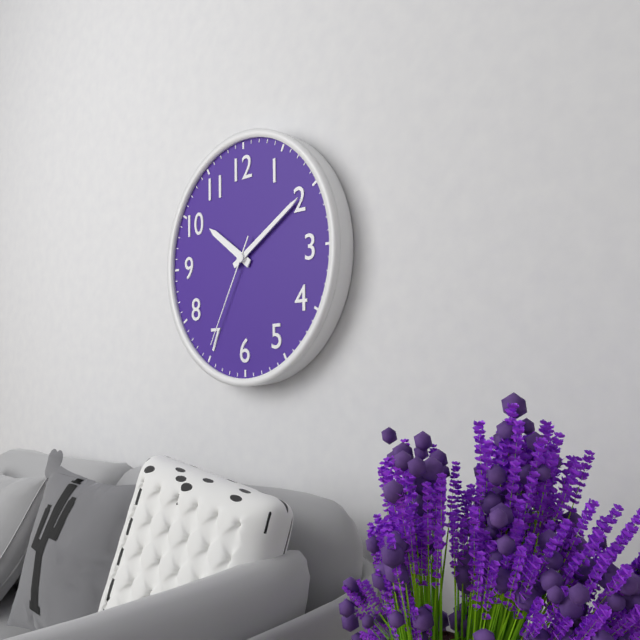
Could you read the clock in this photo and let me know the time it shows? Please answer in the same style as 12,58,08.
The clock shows 10,10,35
